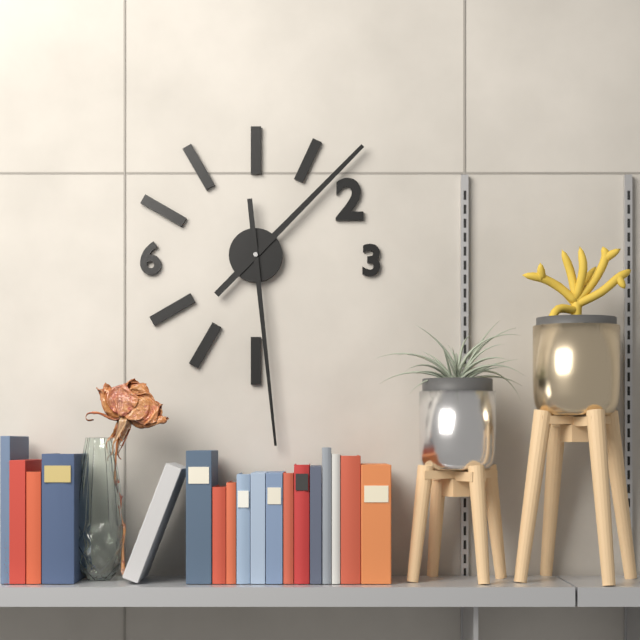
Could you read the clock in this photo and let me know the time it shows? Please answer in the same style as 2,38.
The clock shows 1,29
